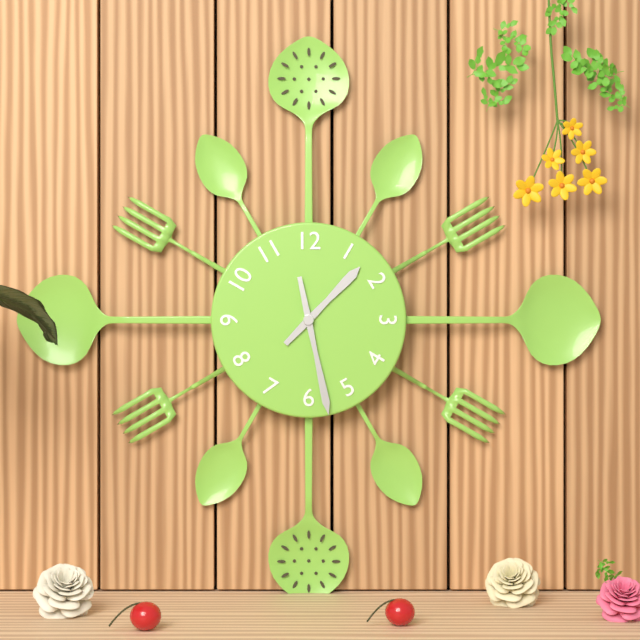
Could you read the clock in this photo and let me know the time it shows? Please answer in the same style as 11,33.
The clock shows 1,28
